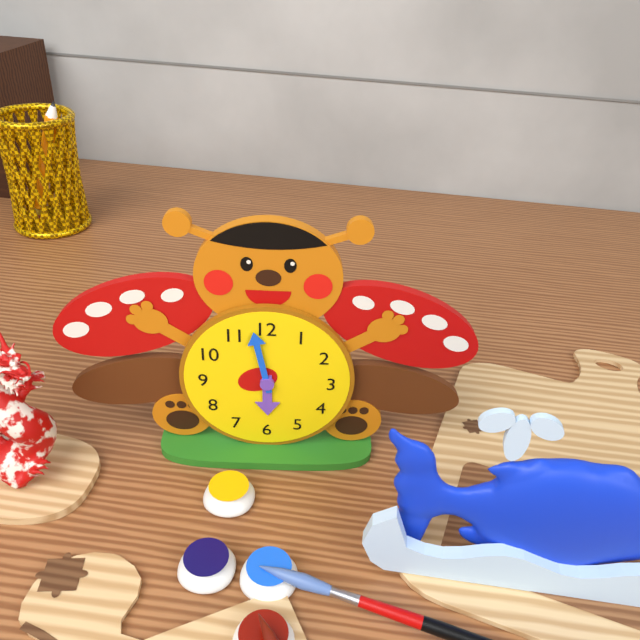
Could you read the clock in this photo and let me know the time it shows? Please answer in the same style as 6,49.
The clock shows 5,58
